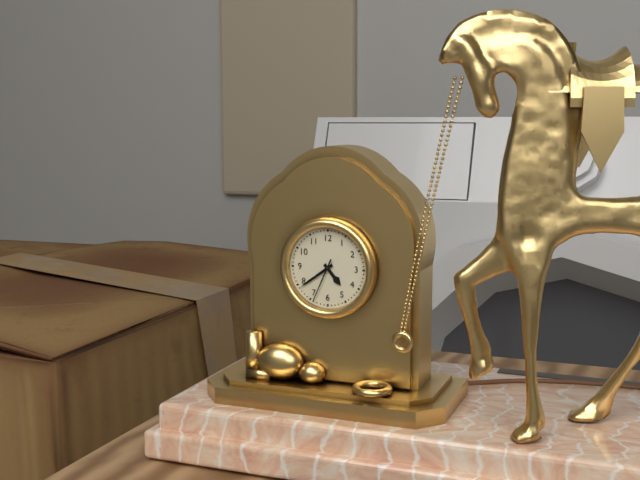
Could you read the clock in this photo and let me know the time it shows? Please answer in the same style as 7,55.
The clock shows 4,39
